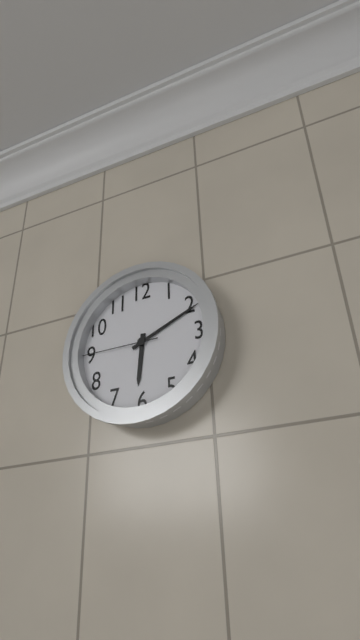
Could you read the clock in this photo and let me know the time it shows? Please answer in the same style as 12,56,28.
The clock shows 6,11,45
